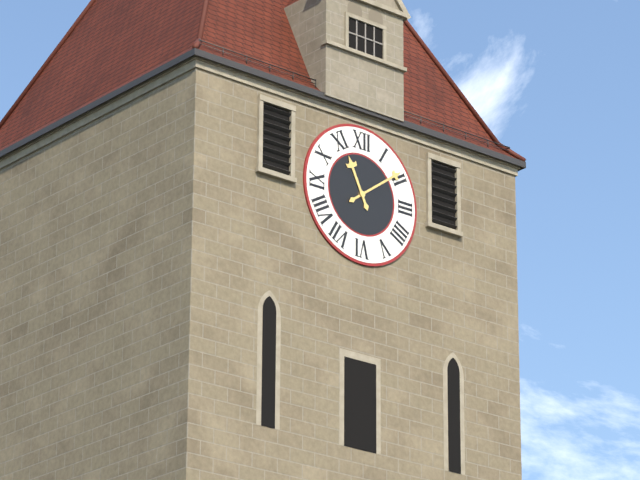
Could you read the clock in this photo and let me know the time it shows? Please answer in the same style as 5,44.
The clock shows 11,09
